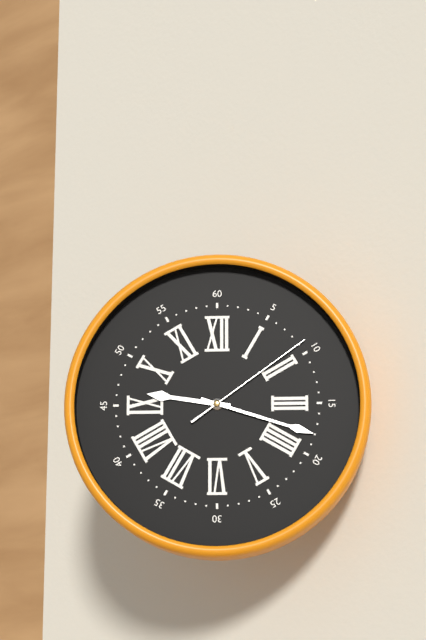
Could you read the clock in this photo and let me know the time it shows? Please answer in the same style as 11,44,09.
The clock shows 9,18,09
